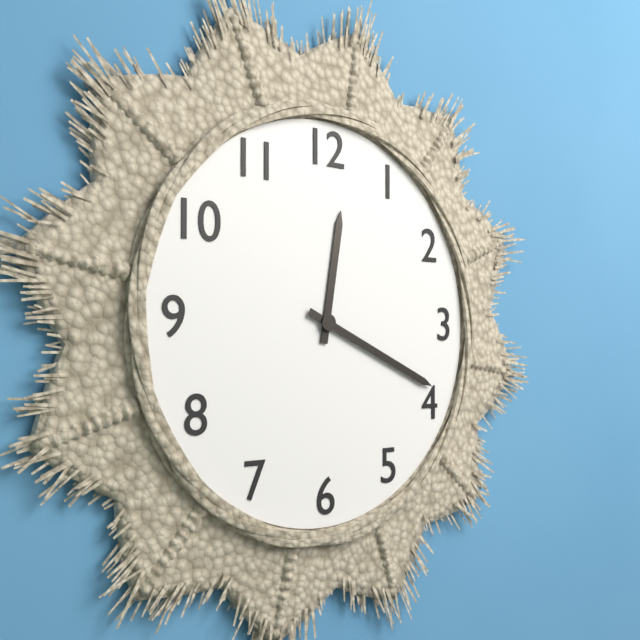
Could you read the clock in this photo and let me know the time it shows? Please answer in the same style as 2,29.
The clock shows 12,19
